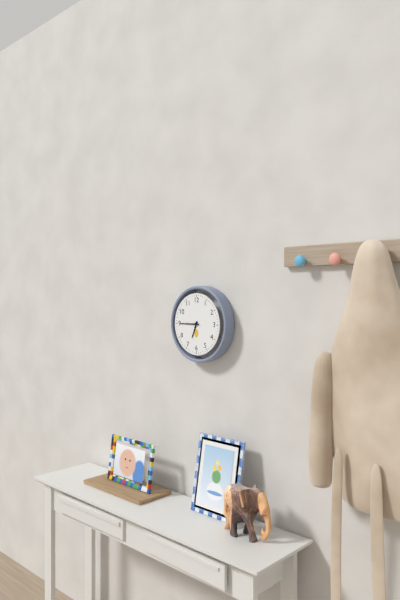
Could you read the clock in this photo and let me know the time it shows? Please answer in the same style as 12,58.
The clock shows 6,45
